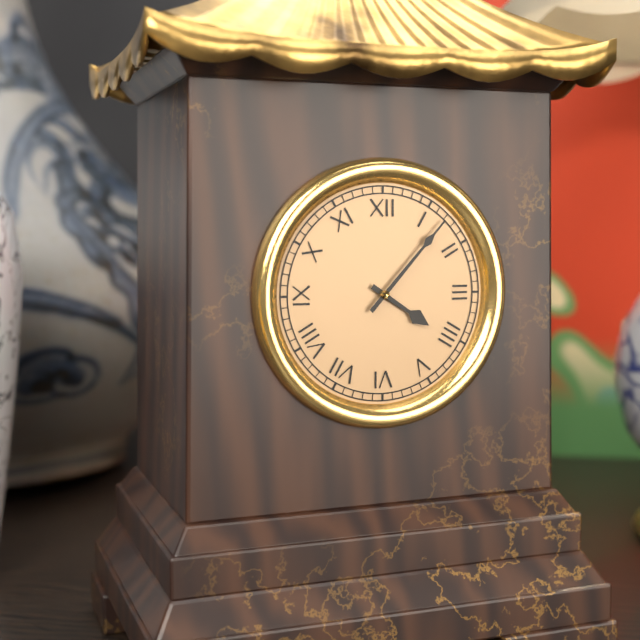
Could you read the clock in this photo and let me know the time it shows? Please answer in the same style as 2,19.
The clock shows 4,07
